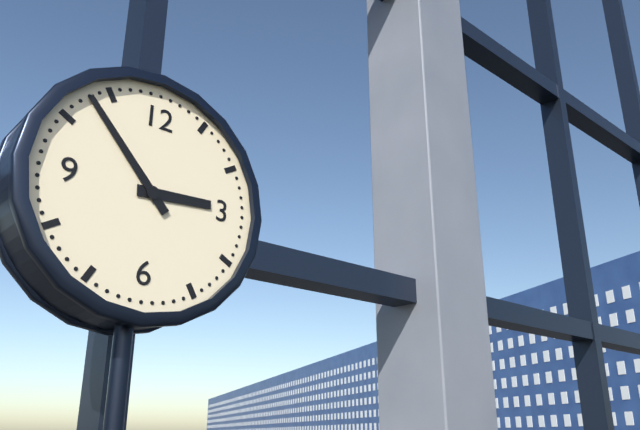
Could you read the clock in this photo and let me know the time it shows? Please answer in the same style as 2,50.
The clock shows 2,53
